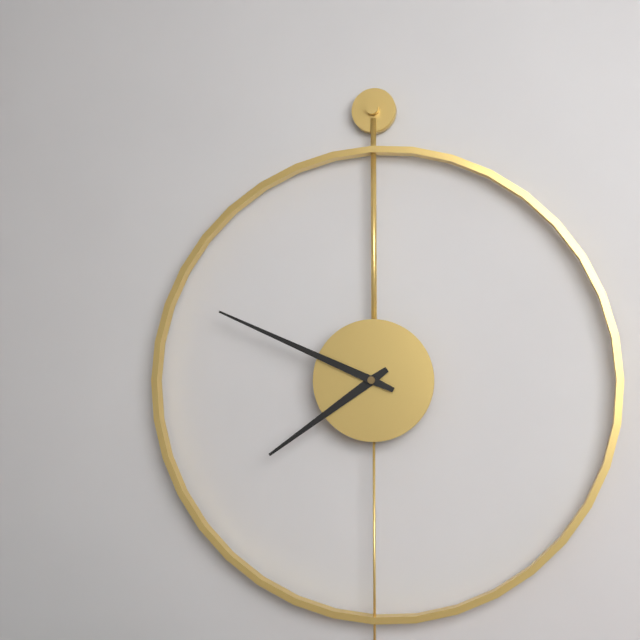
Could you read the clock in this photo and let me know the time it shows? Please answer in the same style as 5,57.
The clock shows 7,49
